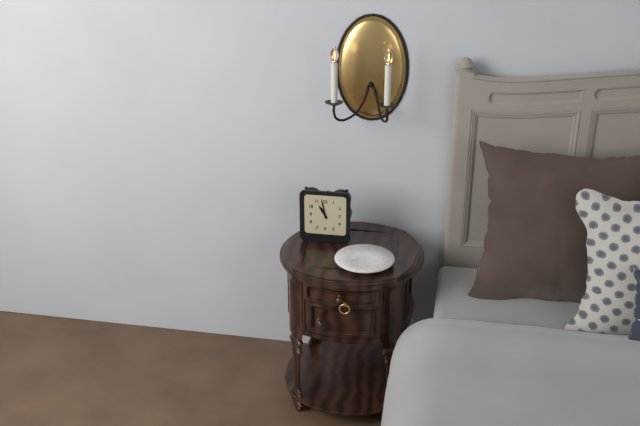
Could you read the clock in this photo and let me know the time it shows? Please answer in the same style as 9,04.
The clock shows 10,58
